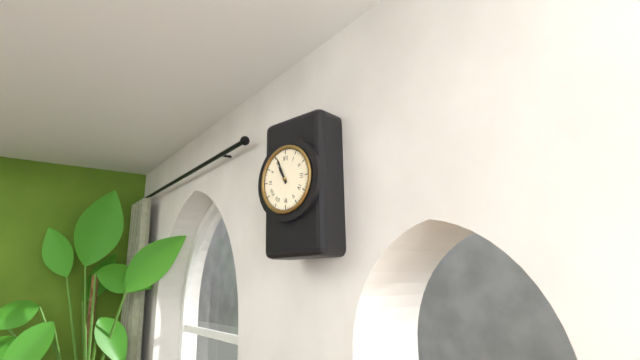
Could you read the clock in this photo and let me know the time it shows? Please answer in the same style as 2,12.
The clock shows 10,56
